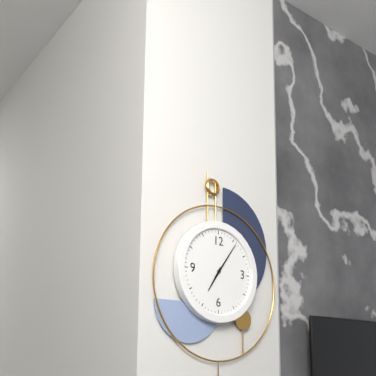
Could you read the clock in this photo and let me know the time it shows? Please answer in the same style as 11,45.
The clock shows 7,06
